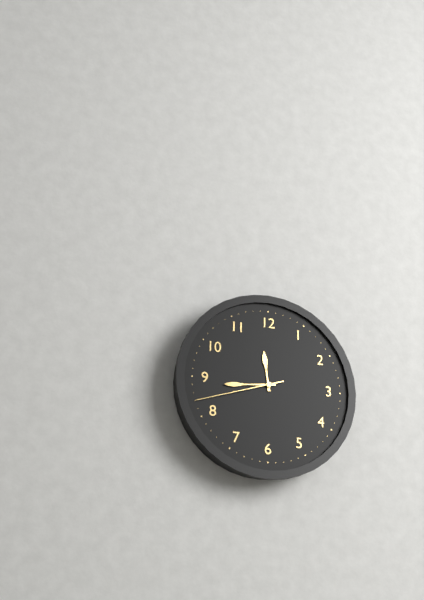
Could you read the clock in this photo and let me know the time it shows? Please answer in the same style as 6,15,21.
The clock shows 11,44,42
